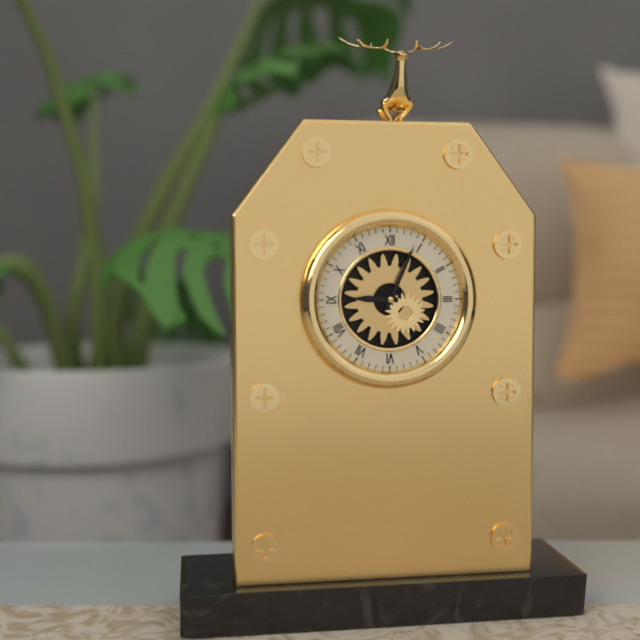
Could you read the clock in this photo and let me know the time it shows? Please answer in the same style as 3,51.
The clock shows 9,04
